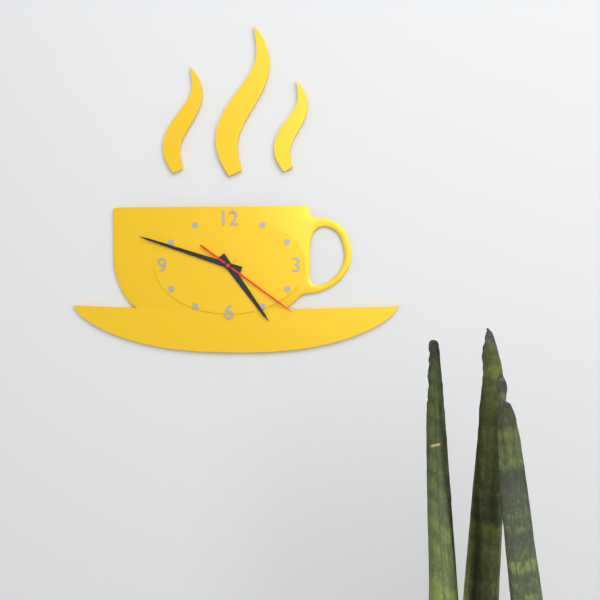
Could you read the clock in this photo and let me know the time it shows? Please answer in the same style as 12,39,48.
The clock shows 4,48,21
